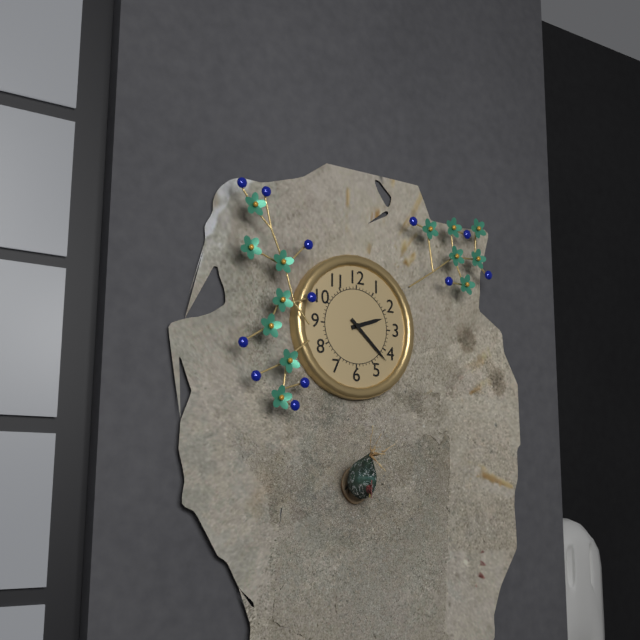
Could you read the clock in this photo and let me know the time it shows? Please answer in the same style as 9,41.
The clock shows 2,22
